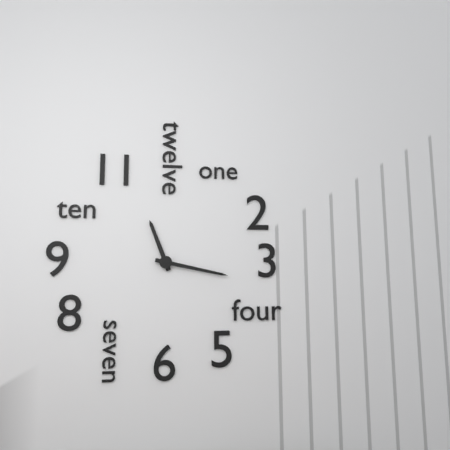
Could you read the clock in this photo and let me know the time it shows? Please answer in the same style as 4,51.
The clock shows 11,17
